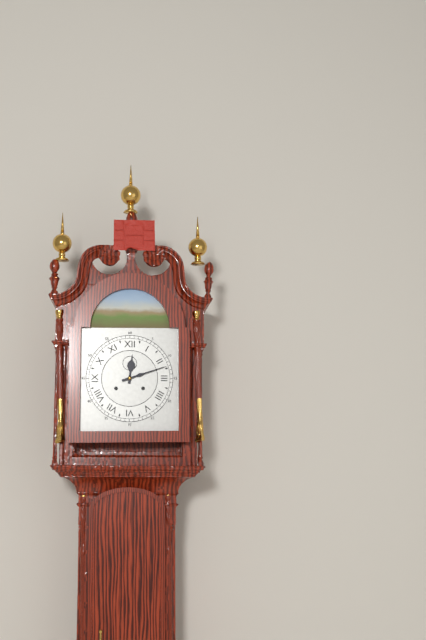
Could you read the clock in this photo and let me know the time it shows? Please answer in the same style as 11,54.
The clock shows 12,12
